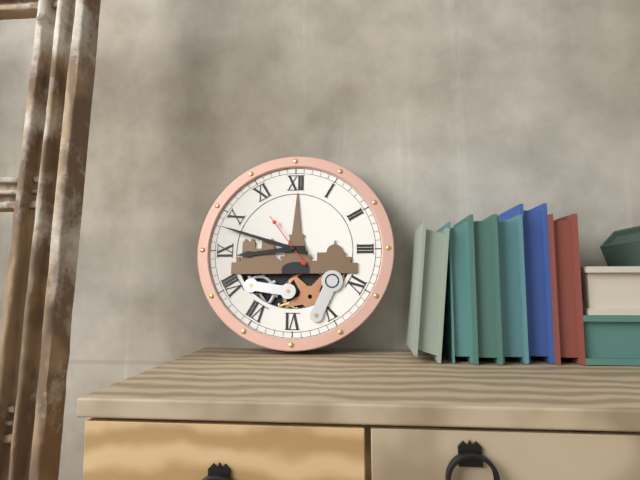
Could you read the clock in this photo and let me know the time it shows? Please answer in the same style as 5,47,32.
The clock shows 8,48,54
